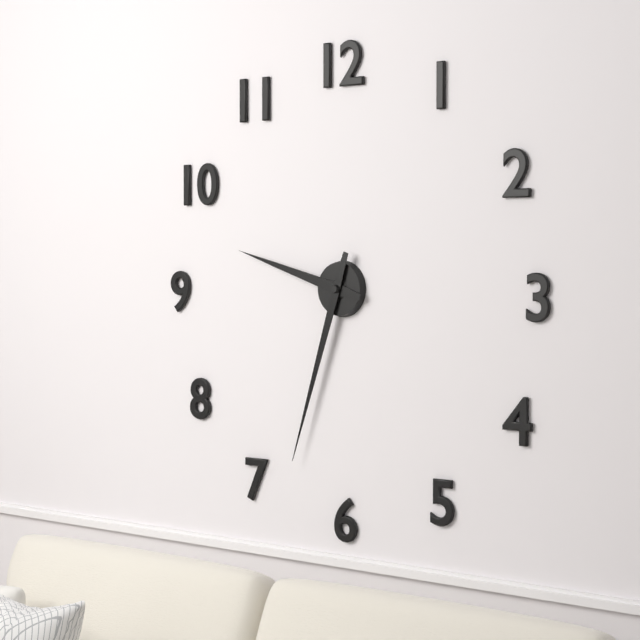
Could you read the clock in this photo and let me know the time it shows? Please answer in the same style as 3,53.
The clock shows 9,33
